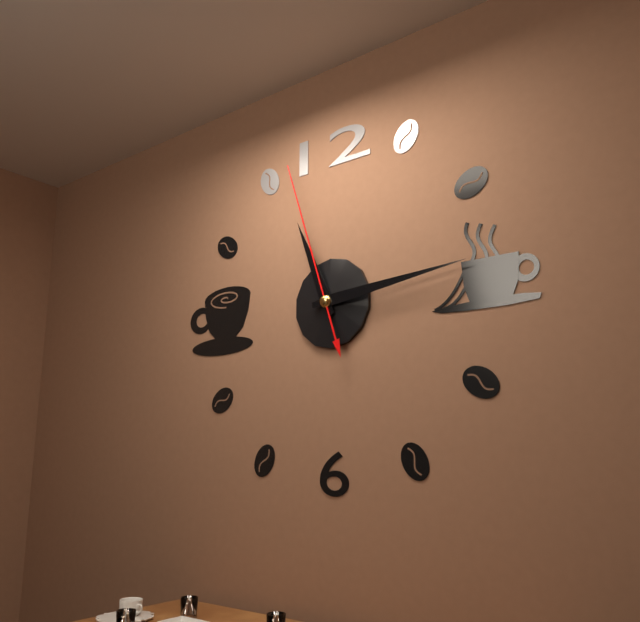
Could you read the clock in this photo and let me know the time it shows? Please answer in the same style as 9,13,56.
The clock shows 11,14,57
